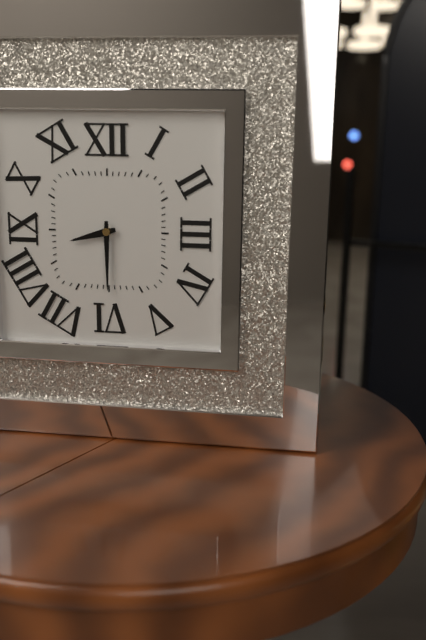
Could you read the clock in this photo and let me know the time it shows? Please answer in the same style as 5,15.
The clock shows 8,30
